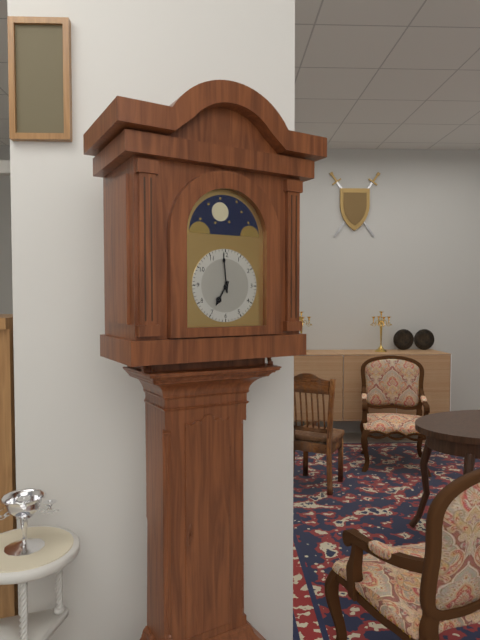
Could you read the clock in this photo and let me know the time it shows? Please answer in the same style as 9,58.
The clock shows 6,59
